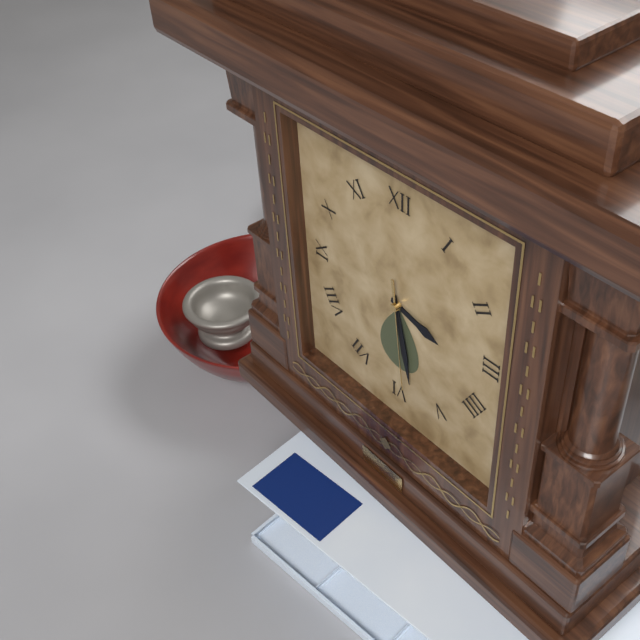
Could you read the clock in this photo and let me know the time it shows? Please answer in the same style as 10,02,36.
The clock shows 3,28,29
